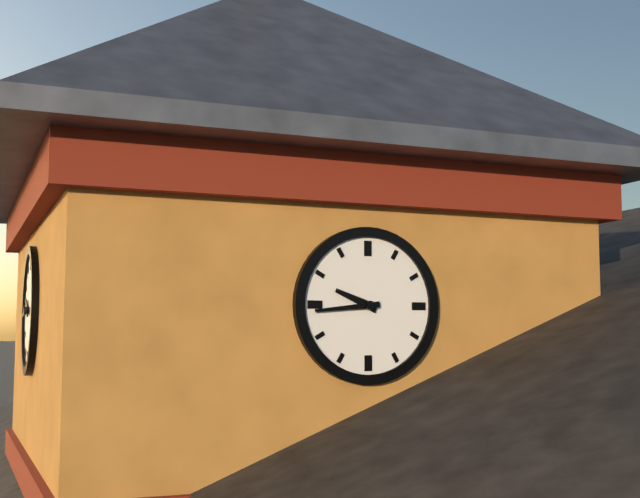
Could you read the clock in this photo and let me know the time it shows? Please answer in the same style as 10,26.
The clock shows 9,44
